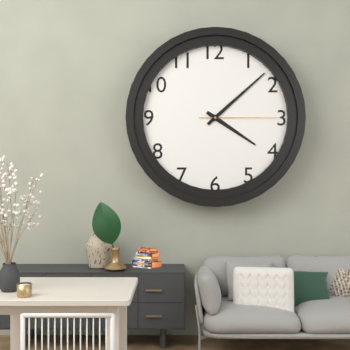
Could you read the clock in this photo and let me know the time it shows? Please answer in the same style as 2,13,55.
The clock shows 4,08,15
